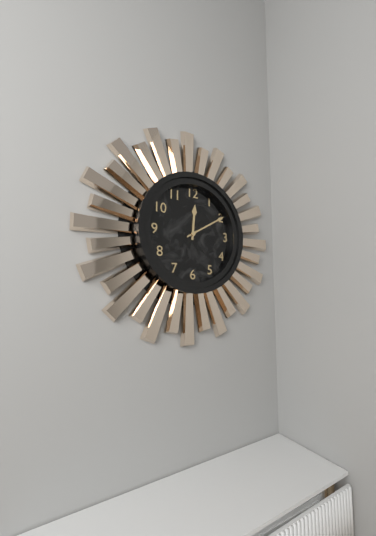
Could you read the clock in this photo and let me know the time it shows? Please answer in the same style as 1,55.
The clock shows 12,10
